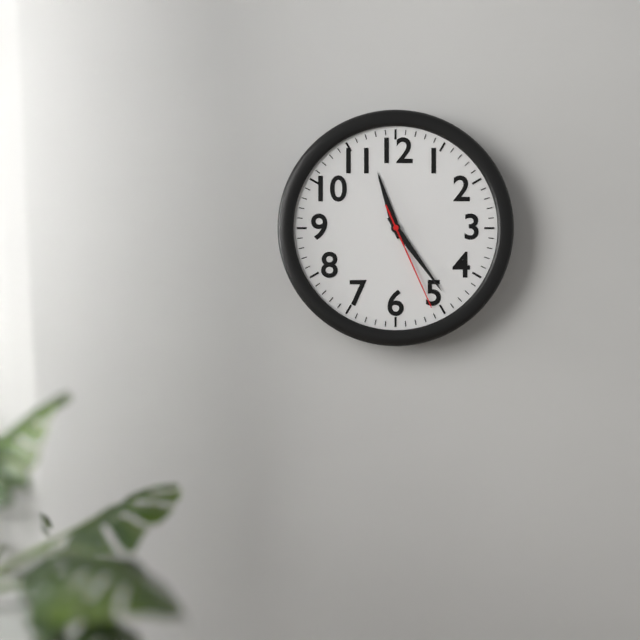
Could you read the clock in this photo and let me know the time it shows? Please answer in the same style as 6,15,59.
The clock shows 11,24,26
